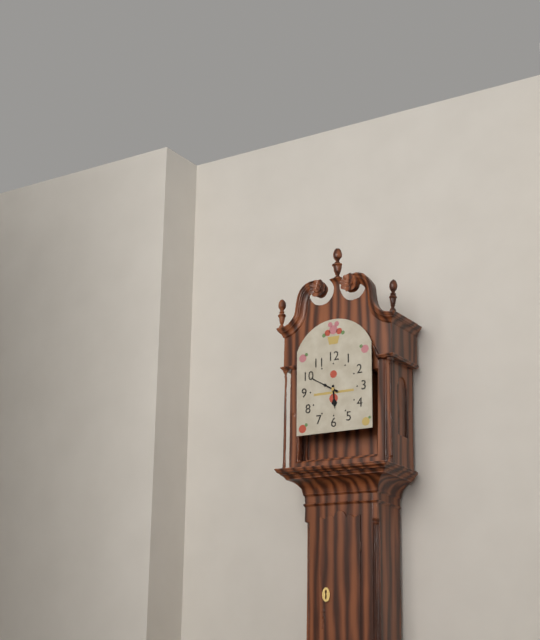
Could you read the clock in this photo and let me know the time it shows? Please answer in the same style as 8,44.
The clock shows 5,50
